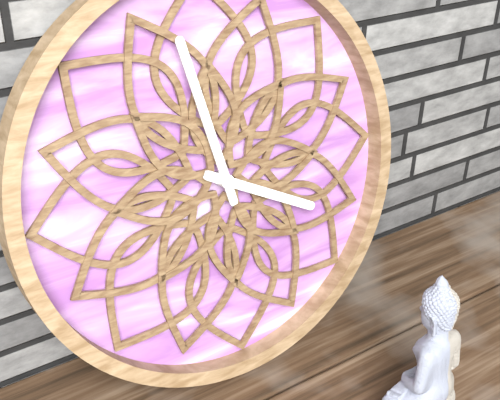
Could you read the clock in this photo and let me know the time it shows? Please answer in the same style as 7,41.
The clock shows 3,58
